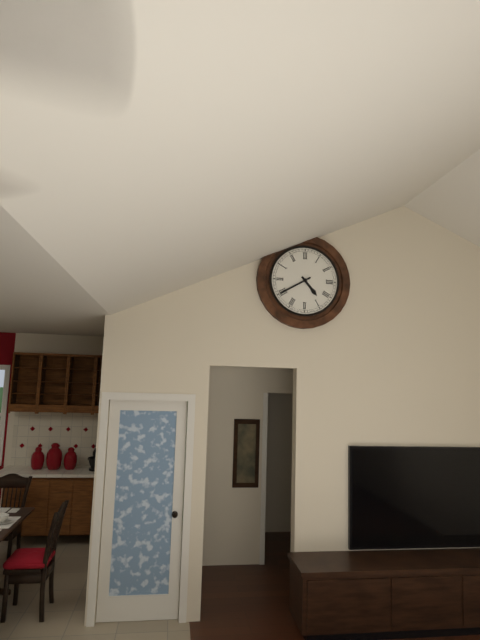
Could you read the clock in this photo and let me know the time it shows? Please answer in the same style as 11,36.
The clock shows 4,40
